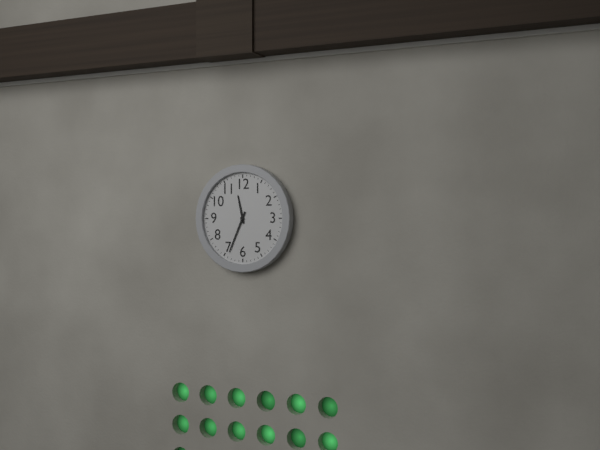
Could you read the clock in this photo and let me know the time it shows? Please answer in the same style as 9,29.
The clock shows 11,34
